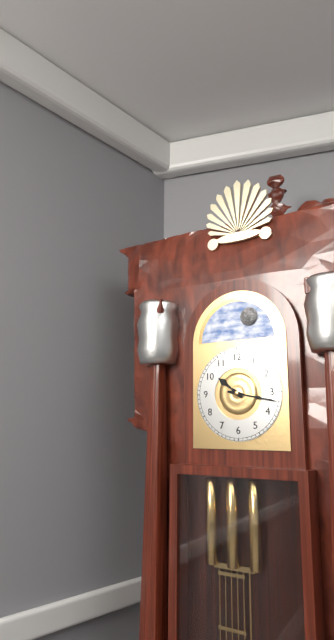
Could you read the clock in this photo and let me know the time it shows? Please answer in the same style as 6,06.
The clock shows 10,17
